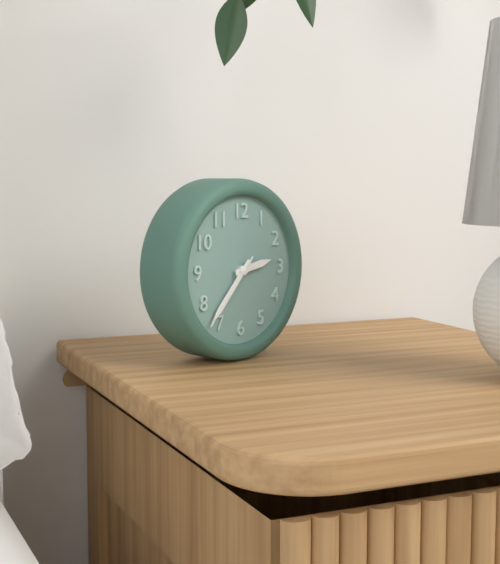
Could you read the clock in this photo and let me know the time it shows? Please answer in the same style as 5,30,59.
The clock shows 2,37,37
